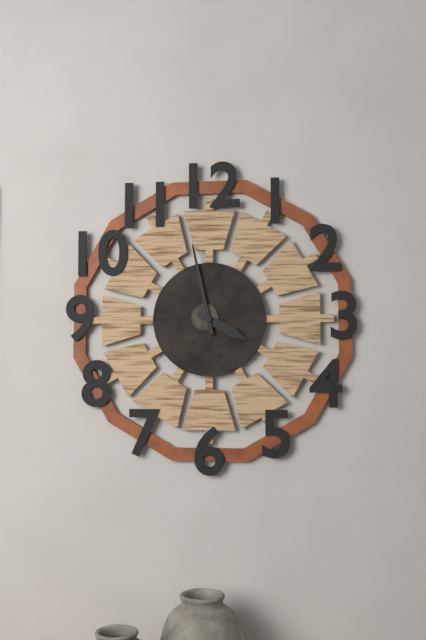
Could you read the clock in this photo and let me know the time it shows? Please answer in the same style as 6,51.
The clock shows 3,58
